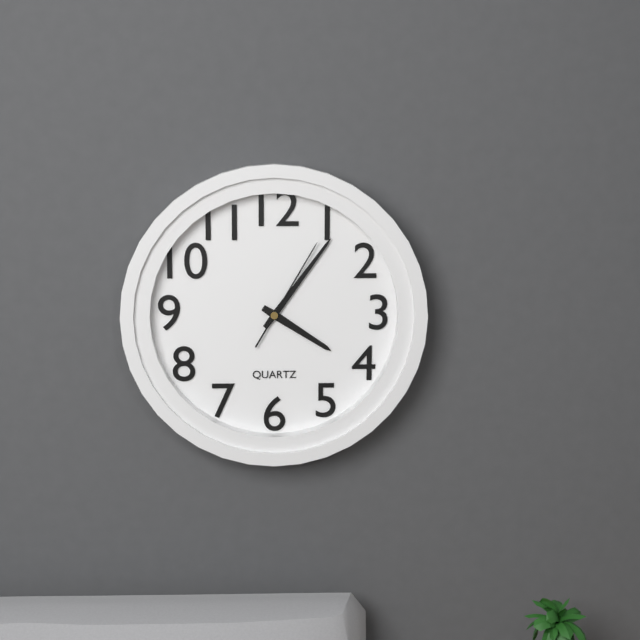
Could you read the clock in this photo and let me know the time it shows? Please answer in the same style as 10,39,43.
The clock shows 4,06,05
